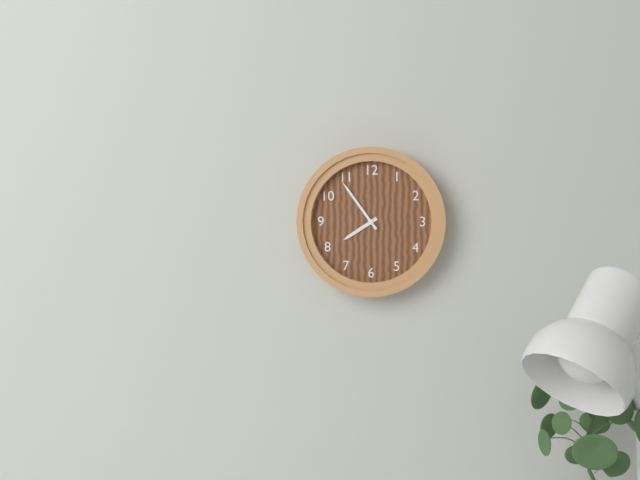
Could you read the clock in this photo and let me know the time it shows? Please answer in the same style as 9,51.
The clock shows 7,54
